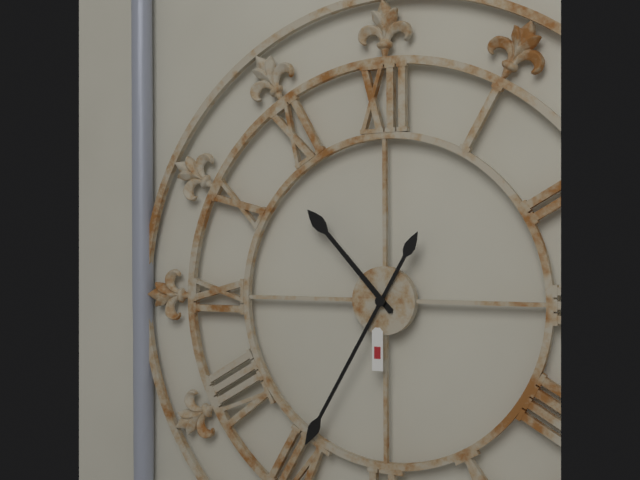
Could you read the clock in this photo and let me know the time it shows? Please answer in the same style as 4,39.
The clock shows 10,35
